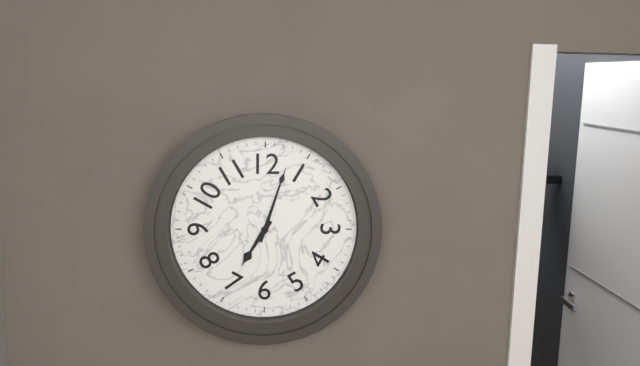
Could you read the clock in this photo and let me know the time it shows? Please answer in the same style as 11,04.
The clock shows 7,03
